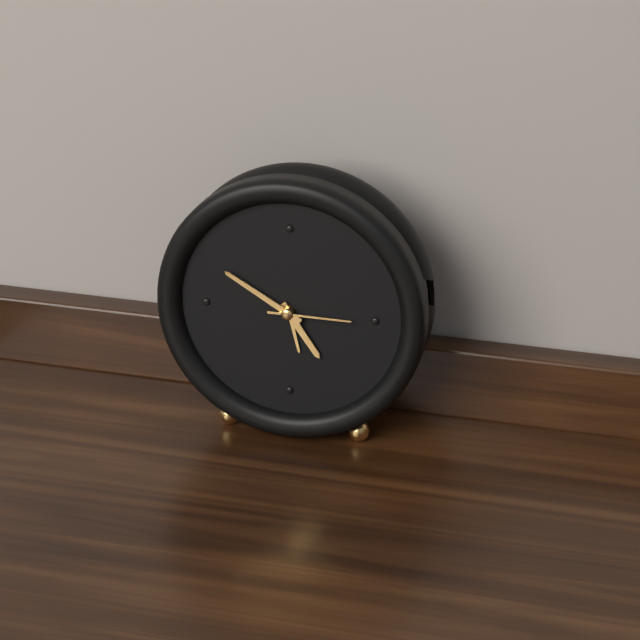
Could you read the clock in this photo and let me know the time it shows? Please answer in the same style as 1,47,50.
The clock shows 4,50,15
